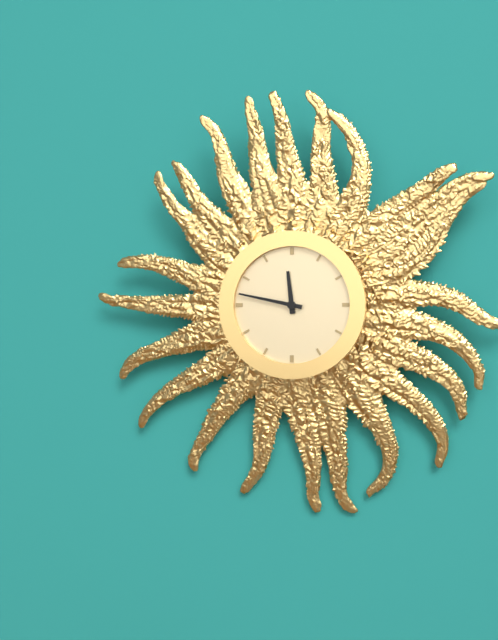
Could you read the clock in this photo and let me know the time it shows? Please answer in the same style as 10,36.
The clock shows 11,47
